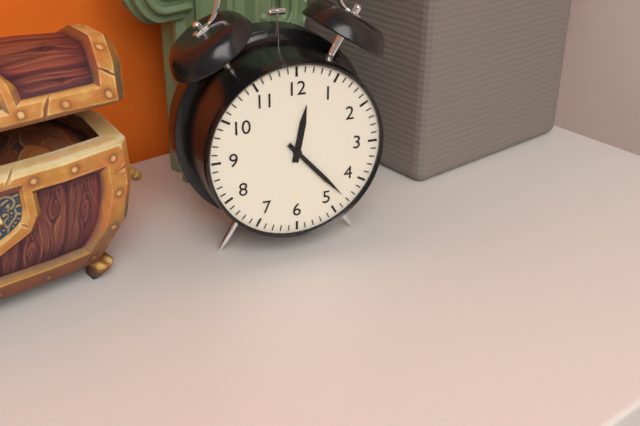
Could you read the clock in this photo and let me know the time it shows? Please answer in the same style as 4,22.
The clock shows 12,23
